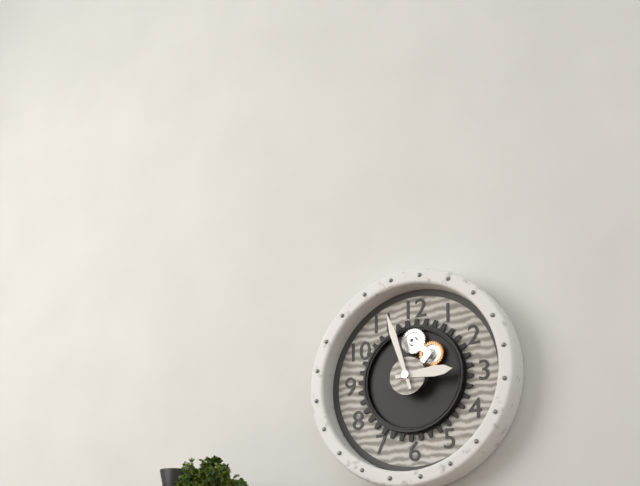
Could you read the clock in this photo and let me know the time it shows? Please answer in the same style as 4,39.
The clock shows 2,57
